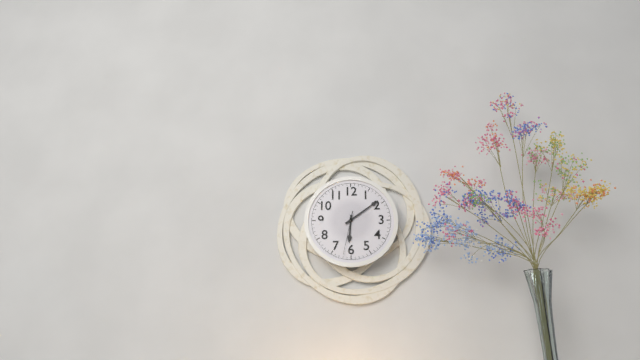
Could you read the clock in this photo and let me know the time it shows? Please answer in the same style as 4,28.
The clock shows 6,09
